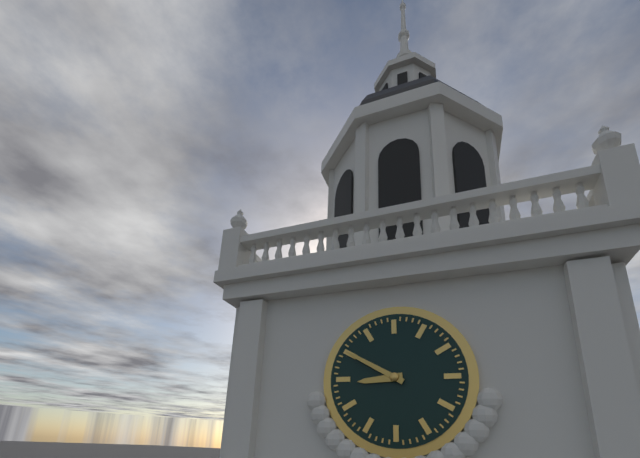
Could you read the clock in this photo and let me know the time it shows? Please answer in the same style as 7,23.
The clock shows 8,50
